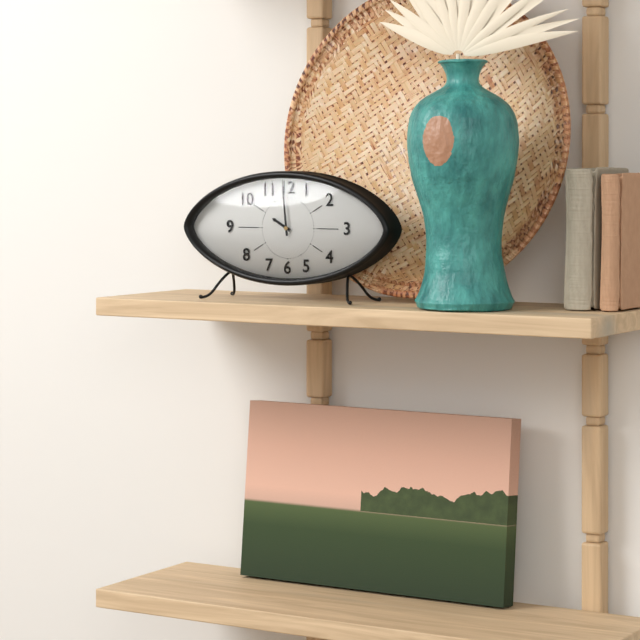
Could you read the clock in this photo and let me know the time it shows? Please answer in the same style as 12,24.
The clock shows 9,59
